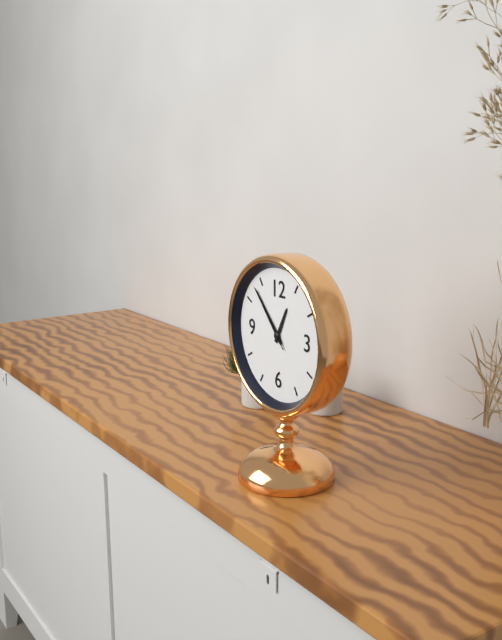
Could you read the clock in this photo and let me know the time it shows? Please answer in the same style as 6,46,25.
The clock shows 12,53,53
